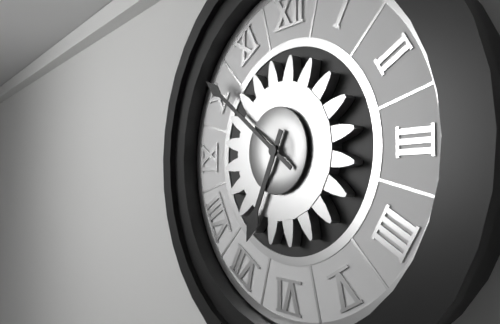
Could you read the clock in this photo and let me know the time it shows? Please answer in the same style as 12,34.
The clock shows 6,51
